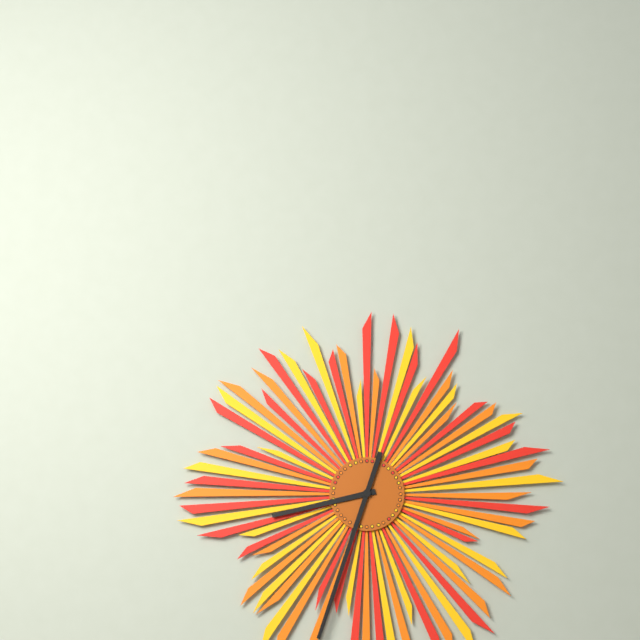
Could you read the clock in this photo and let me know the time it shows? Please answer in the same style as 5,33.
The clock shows 8,33
